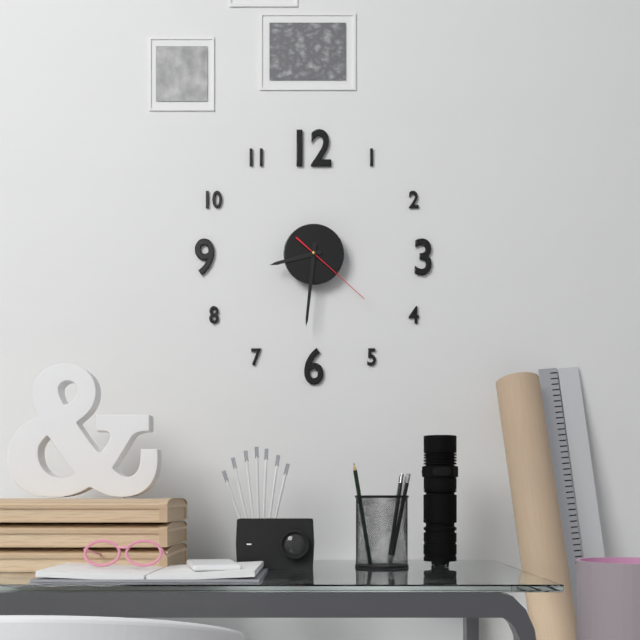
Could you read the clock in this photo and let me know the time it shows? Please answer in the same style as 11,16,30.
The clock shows 8,31,22
